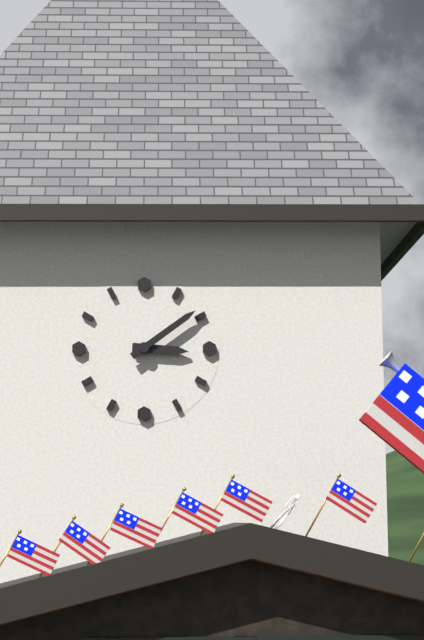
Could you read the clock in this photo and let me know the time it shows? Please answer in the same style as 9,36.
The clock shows 3,09
